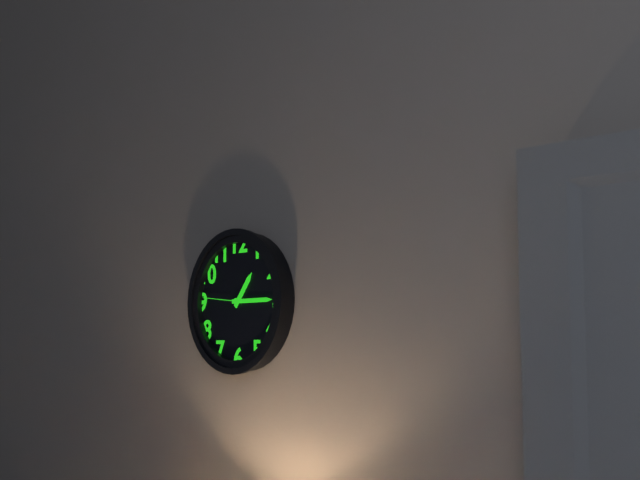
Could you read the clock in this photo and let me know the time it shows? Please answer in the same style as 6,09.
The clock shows 1,15
